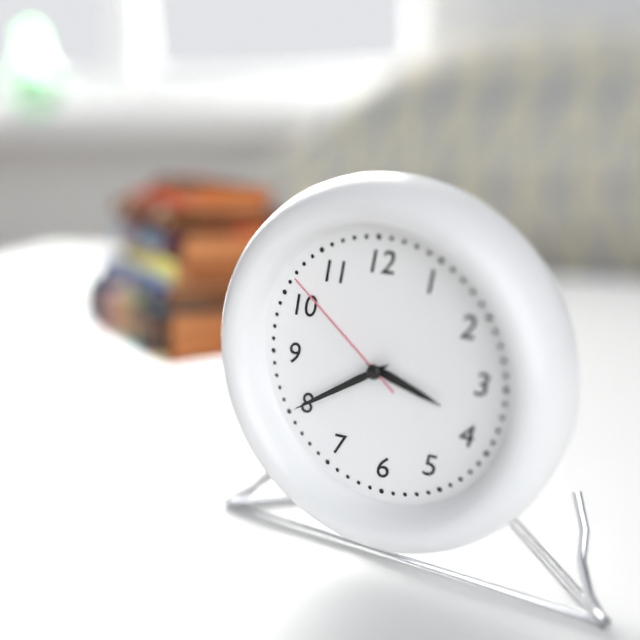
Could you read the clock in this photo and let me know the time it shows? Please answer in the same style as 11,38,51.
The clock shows 3,40,52
